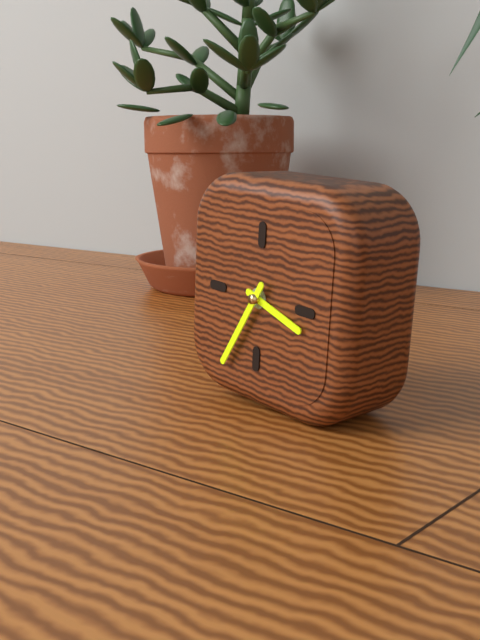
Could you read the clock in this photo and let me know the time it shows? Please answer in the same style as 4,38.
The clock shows 3,35
